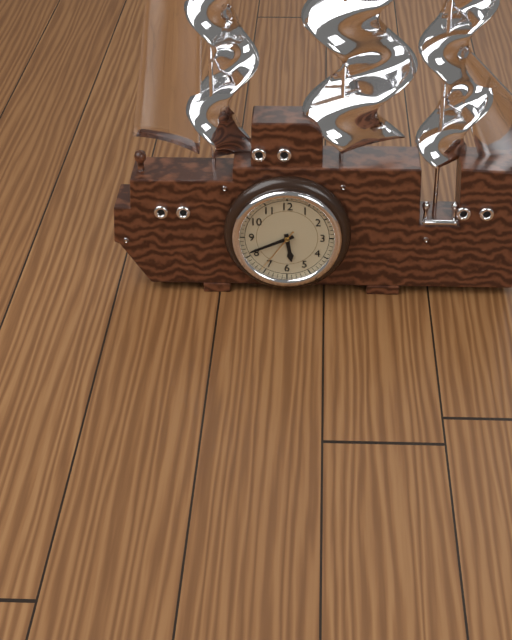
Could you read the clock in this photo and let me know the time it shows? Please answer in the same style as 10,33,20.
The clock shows 5,41,36
